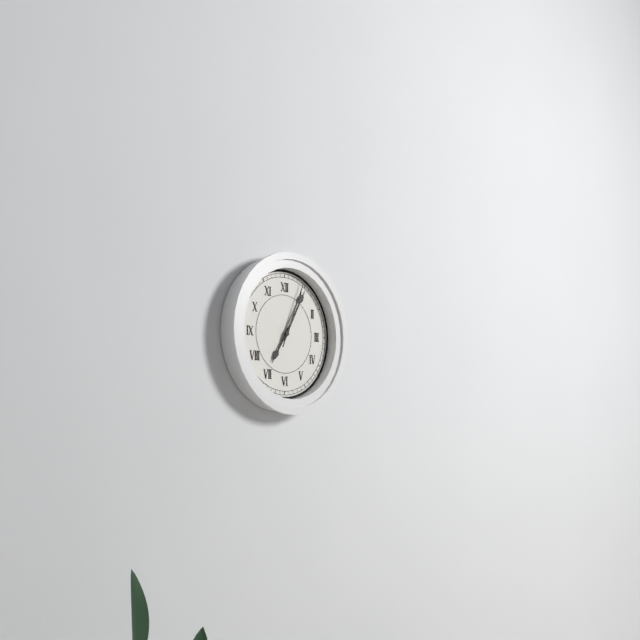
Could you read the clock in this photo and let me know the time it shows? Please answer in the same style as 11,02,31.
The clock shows 7,05,04
